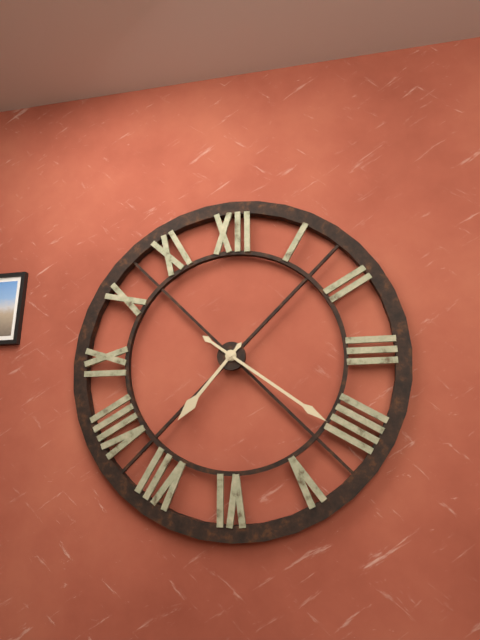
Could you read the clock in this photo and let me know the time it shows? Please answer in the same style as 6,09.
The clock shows 7,21
